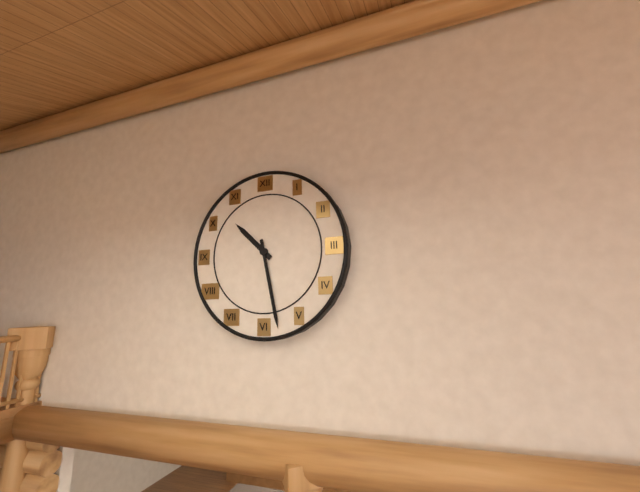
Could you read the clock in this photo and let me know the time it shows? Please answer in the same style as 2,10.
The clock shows 10,28
